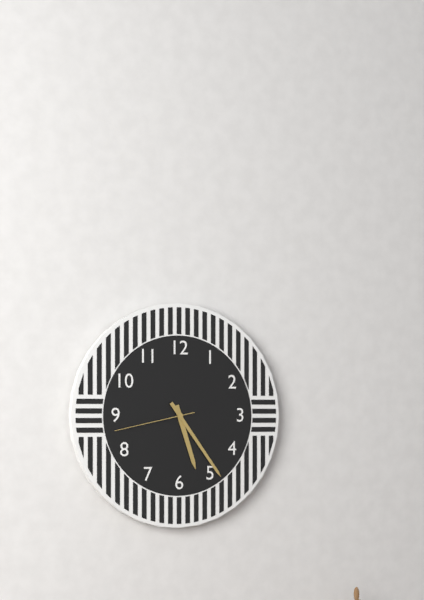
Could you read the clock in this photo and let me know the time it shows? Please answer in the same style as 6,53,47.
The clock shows 5,24,43
